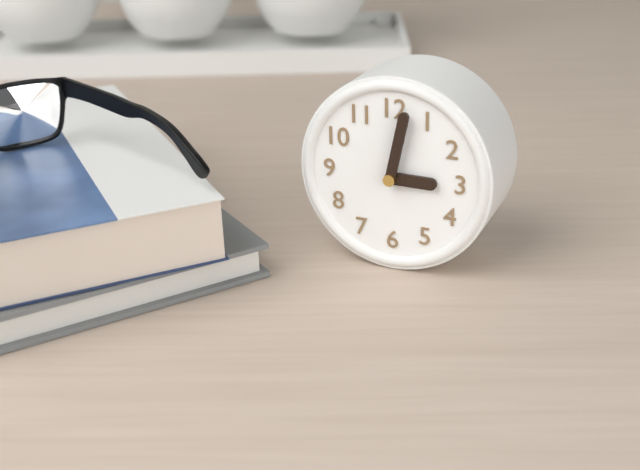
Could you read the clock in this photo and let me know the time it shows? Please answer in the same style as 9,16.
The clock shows 3,02
